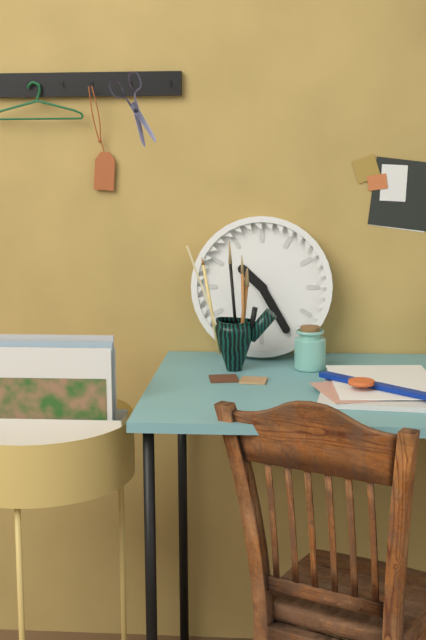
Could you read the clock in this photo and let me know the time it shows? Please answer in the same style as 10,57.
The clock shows 10,25
